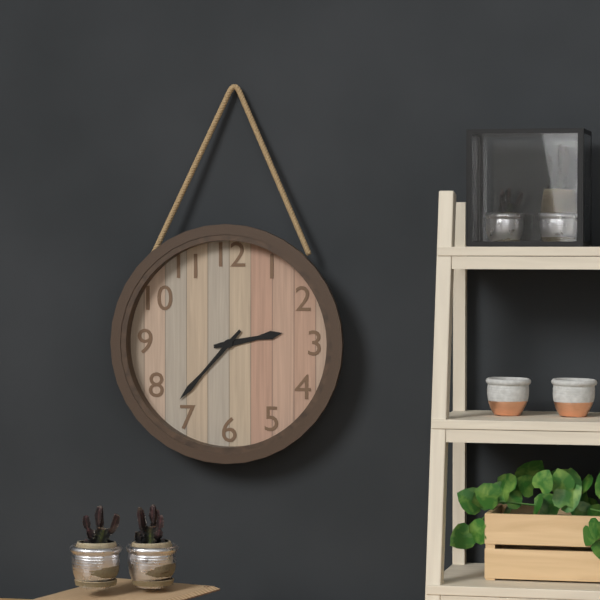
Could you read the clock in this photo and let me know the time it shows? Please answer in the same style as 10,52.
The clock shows 2,37
